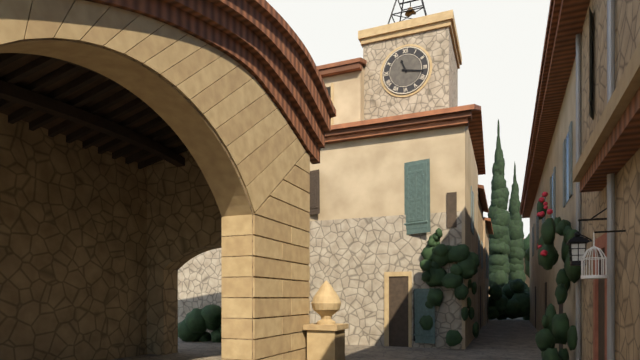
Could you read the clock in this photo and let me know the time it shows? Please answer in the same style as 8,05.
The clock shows 11,17
